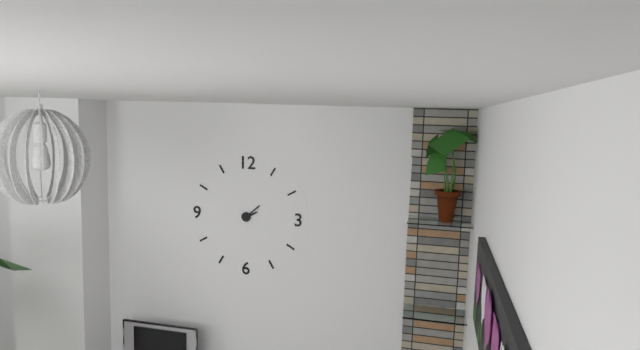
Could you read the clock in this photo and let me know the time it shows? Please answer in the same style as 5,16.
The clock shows 2,08
